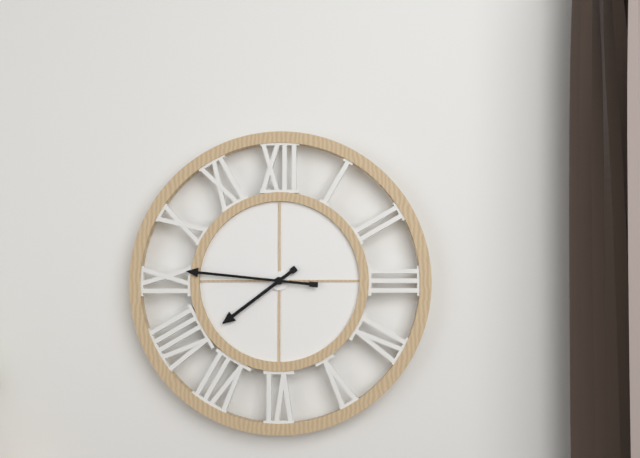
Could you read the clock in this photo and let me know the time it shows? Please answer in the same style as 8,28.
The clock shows 7,46
